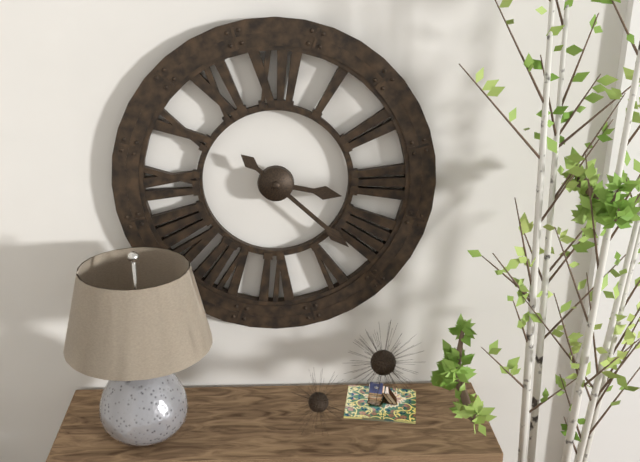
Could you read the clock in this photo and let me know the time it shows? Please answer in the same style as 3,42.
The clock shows 3,22
